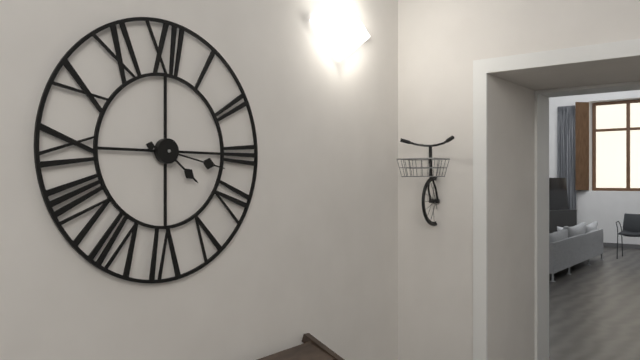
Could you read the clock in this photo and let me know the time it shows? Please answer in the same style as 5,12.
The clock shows 4,17
